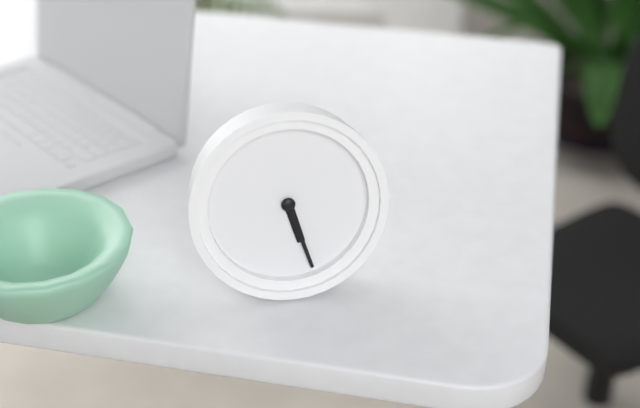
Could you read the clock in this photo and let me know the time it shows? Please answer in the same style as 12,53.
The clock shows 5,27
